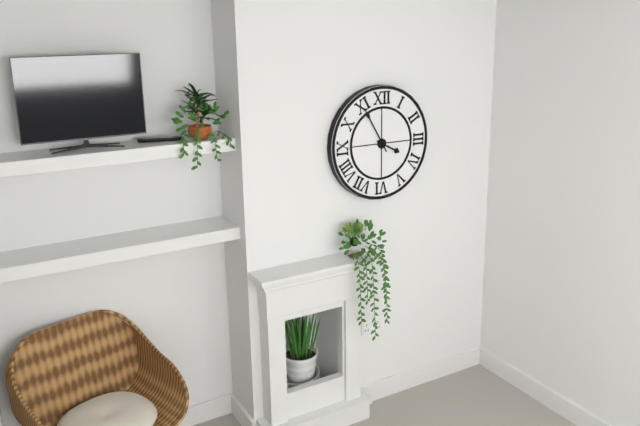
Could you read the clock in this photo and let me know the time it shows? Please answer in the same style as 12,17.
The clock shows 3,55
